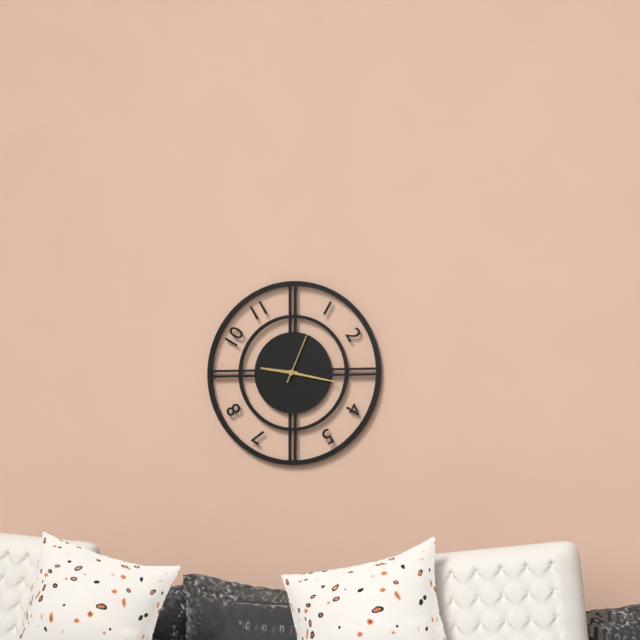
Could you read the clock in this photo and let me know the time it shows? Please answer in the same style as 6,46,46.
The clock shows 9,17,04
